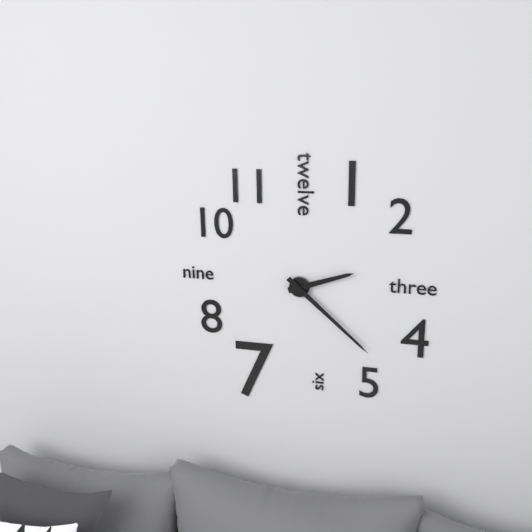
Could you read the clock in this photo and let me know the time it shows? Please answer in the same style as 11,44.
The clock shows 2,22
